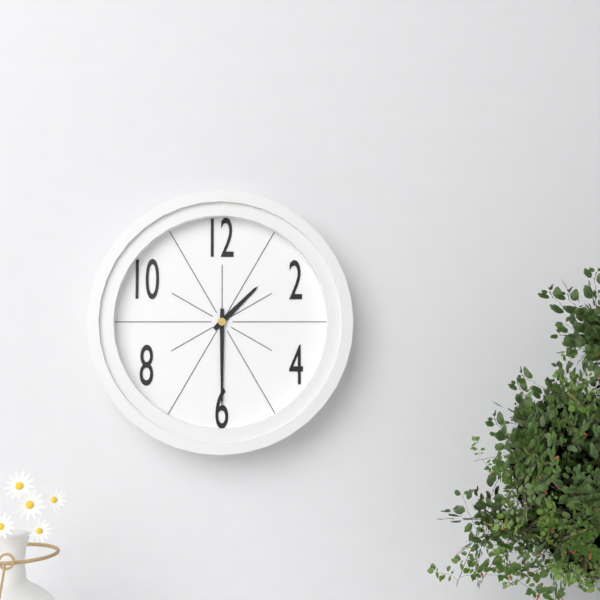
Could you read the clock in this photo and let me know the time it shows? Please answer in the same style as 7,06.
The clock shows 1,30
